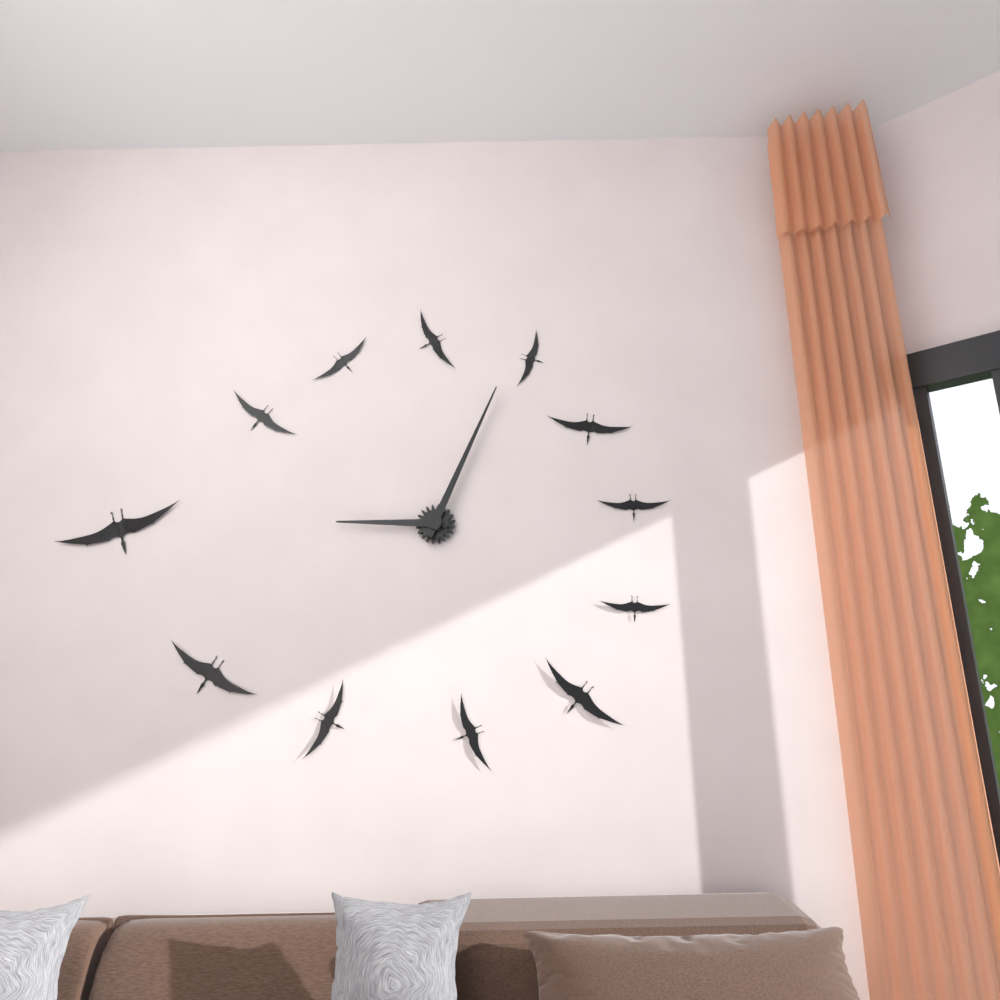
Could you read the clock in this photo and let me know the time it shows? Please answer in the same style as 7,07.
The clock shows 9,04
